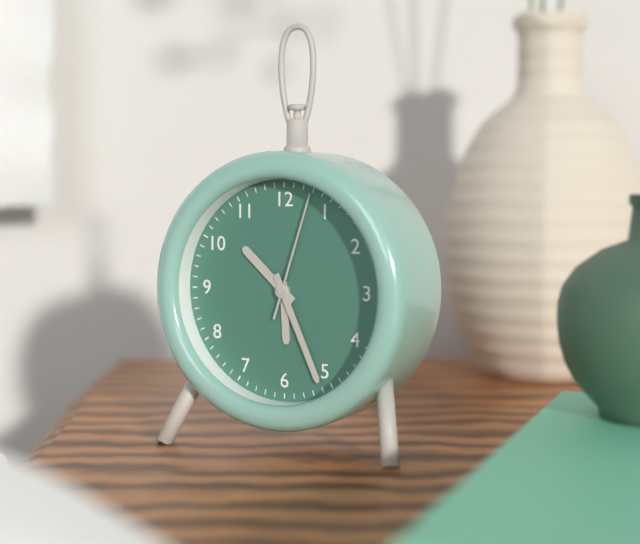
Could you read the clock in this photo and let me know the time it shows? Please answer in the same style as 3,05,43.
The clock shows 10,26,03
